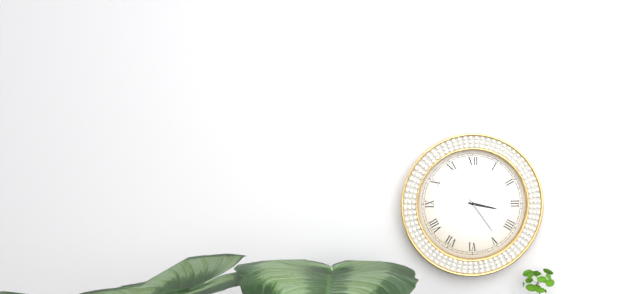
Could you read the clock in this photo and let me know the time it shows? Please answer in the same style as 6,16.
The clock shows 3,24
